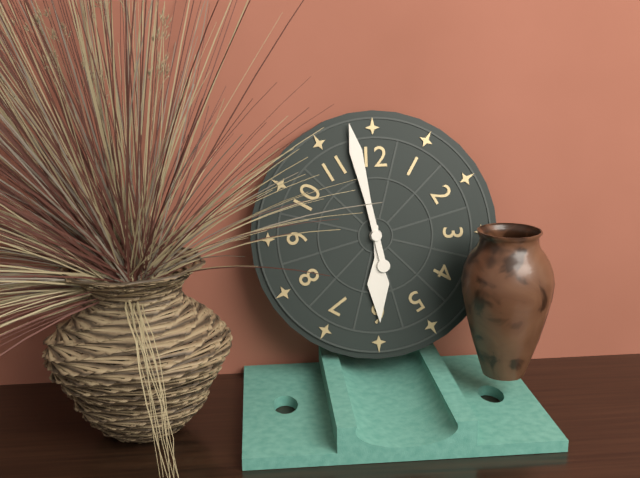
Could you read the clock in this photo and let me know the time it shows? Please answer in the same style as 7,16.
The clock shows 5,58
